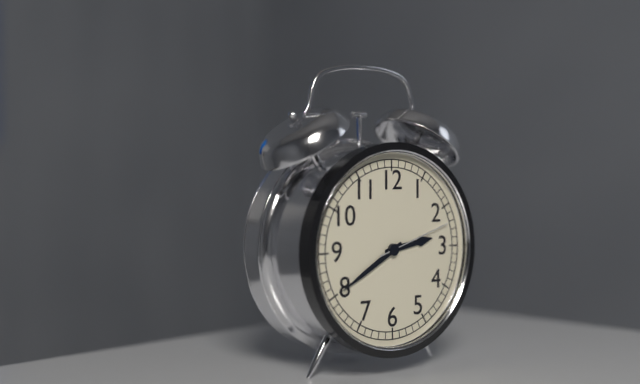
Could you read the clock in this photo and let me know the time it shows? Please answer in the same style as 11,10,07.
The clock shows 2,40,12
